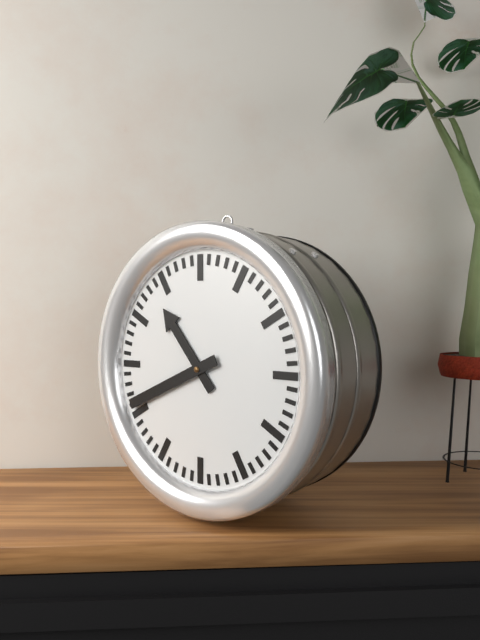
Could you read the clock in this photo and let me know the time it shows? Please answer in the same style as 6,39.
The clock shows 10,41
